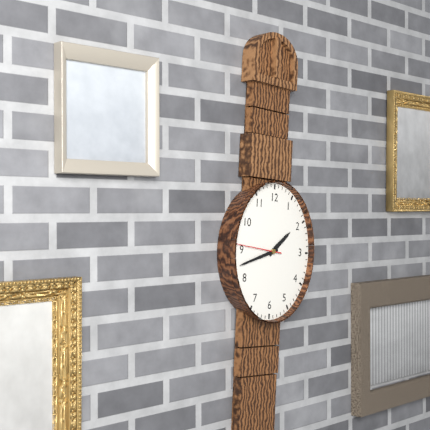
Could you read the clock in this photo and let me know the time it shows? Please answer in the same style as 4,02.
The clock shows 1,42
